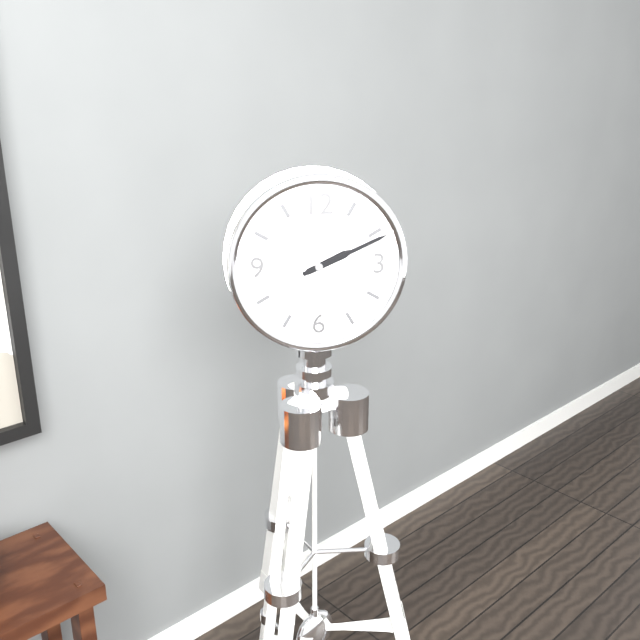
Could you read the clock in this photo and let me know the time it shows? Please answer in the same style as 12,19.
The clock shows 2,11
